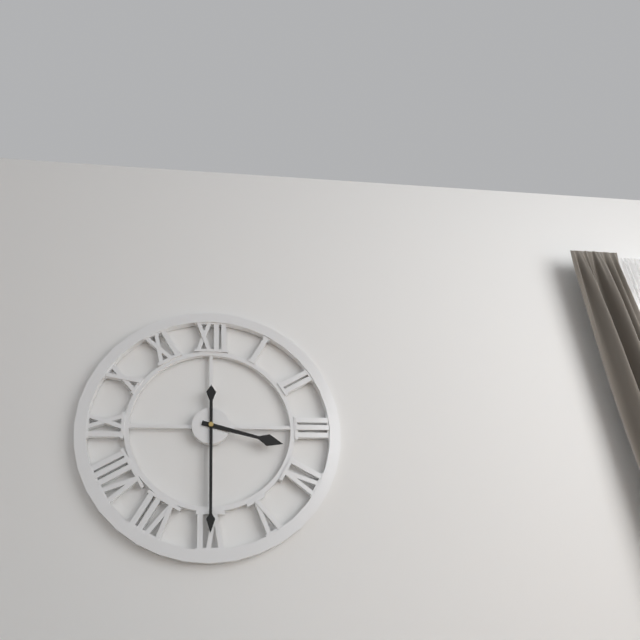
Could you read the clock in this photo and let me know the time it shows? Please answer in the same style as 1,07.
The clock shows 3,30
